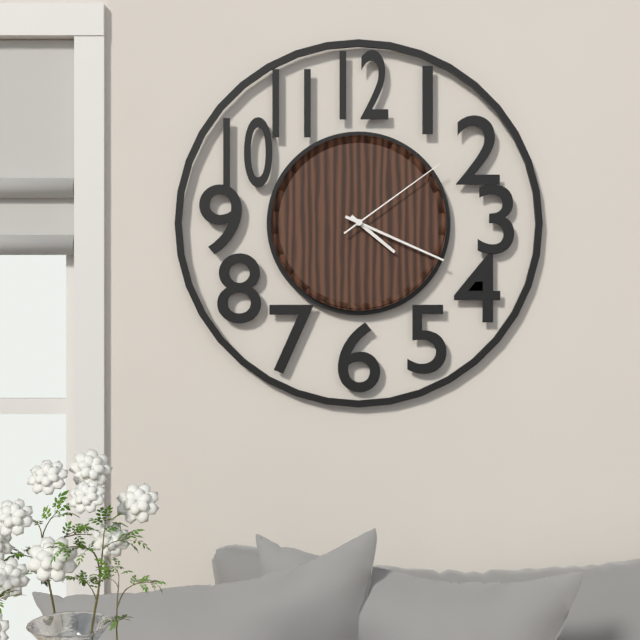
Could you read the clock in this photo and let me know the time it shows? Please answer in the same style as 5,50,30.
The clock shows 4,19,09
